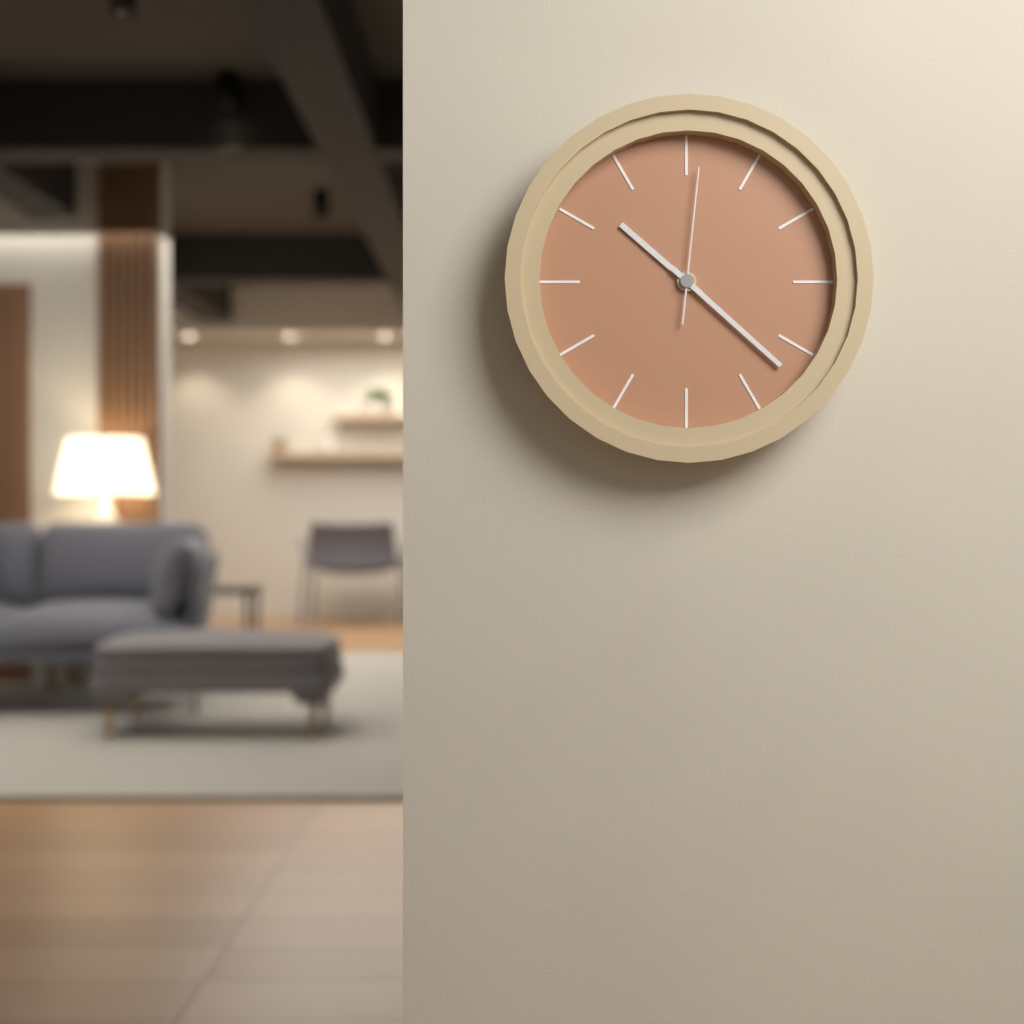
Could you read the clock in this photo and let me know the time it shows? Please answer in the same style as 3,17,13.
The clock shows 10,22,01
